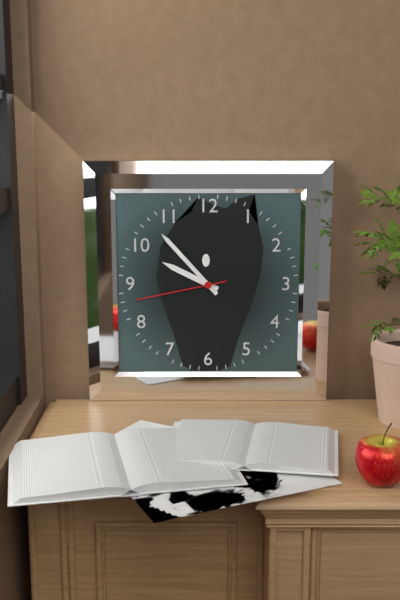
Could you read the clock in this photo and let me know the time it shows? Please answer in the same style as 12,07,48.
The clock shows 9,53,43
